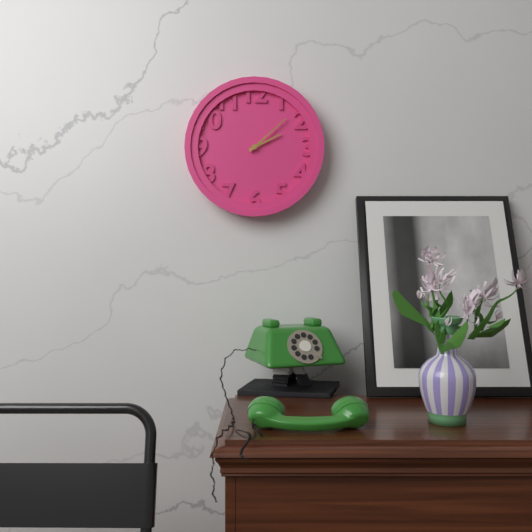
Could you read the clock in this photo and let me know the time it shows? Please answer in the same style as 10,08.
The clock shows 2,08
